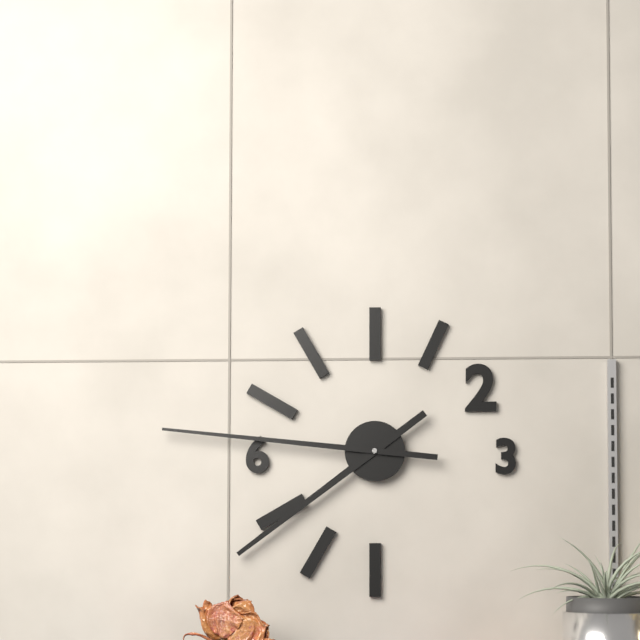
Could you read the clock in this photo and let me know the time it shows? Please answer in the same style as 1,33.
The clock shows 7,46
